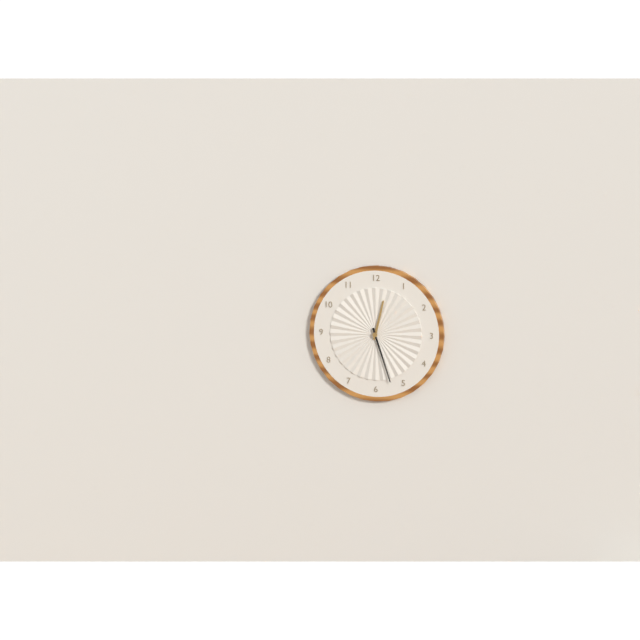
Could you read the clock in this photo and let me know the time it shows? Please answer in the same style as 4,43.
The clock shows 12,27
